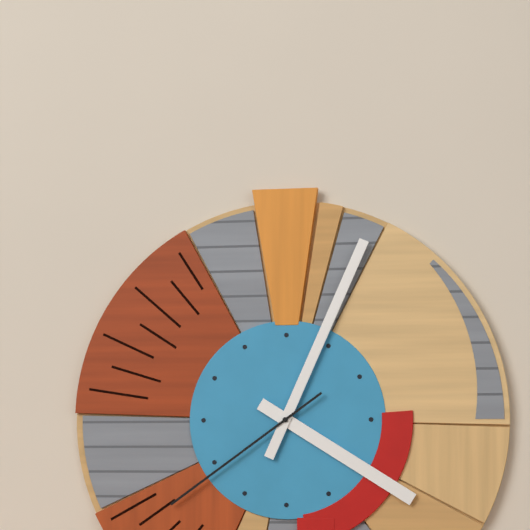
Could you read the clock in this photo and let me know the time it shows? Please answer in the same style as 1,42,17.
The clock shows 4,04,39
